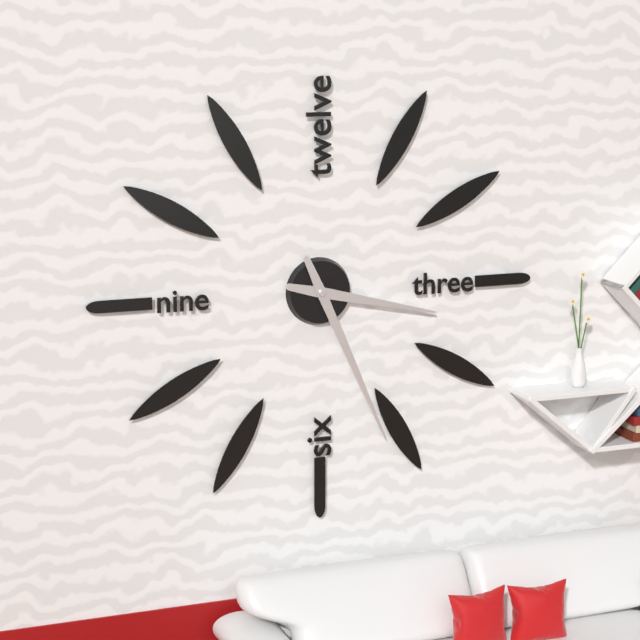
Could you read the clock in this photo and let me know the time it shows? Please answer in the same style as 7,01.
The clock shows 3,26
